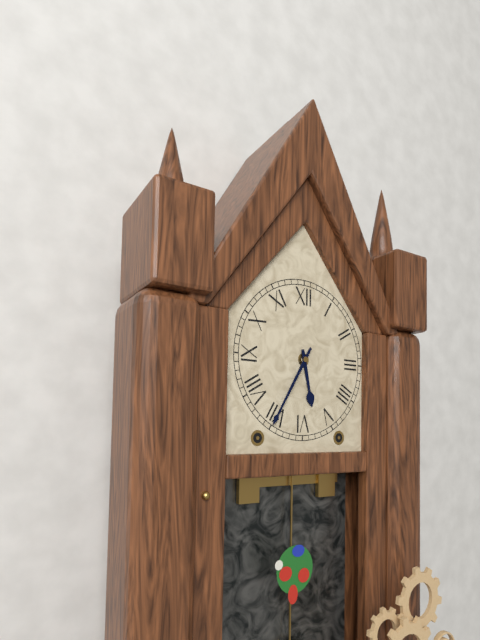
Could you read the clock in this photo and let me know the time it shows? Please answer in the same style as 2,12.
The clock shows 5,35
